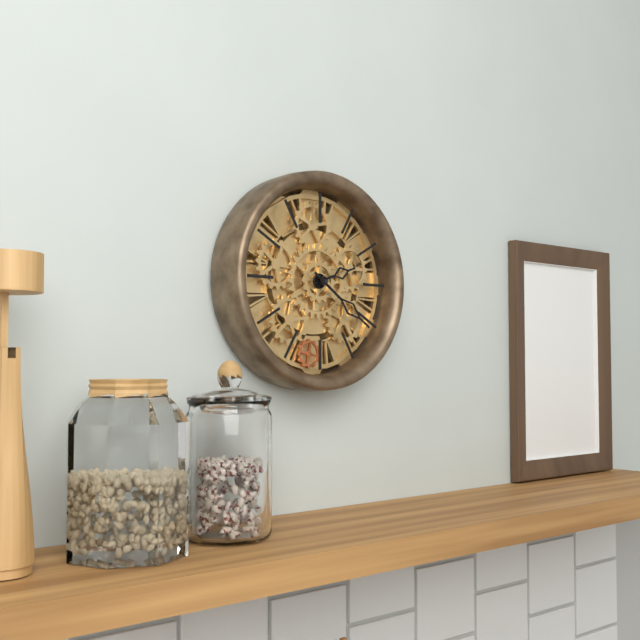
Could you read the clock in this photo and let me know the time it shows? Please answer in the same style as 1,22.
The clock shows 2,21
